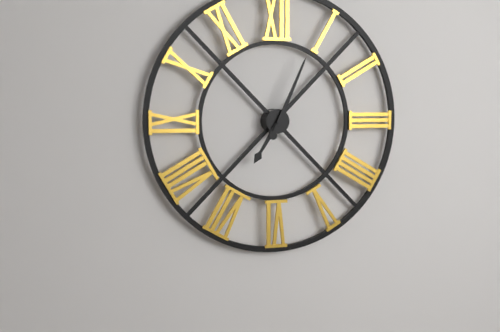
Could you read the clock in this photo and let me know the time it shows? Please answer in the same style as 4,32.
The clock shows 7,04
